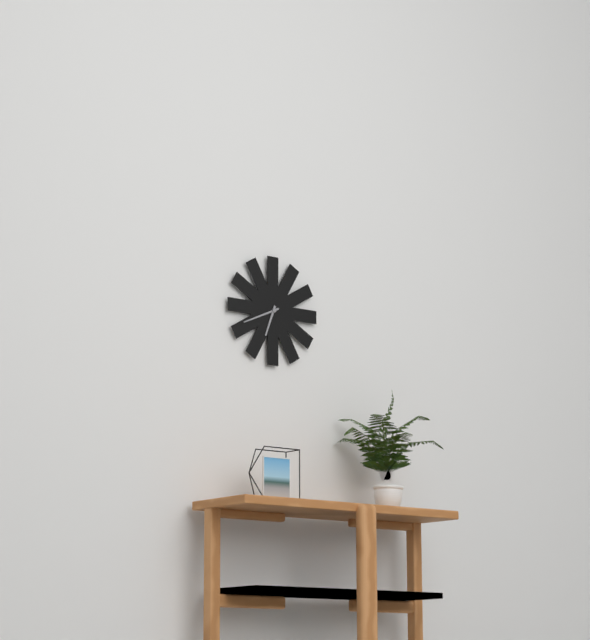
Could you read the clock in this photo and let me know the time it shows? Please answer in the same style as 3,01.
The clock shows 6,41
